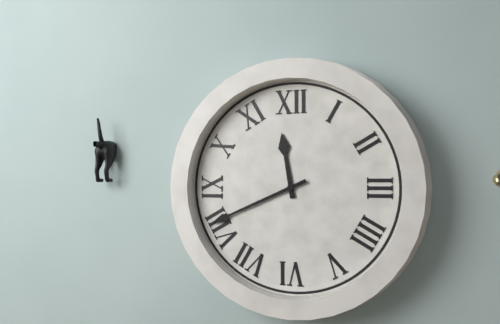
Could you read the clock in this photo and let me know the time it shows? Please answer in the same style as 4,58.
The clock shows 11,41
